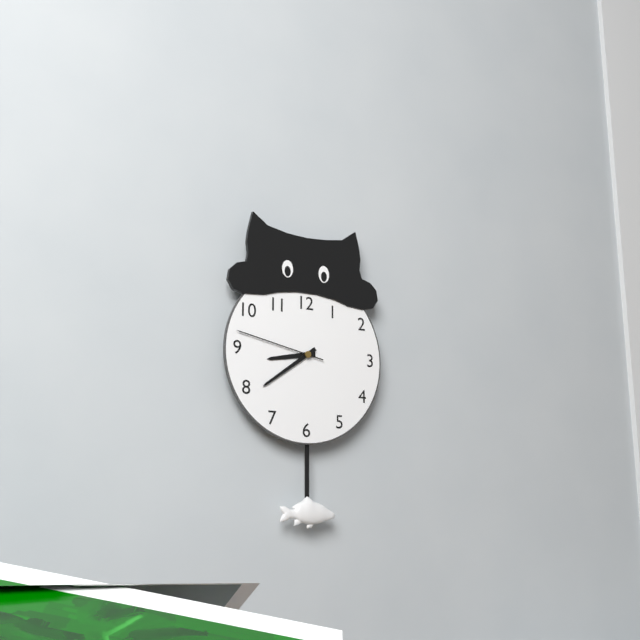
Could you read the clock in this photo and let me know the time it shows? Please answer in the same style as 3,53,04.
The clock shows 8,39,47
